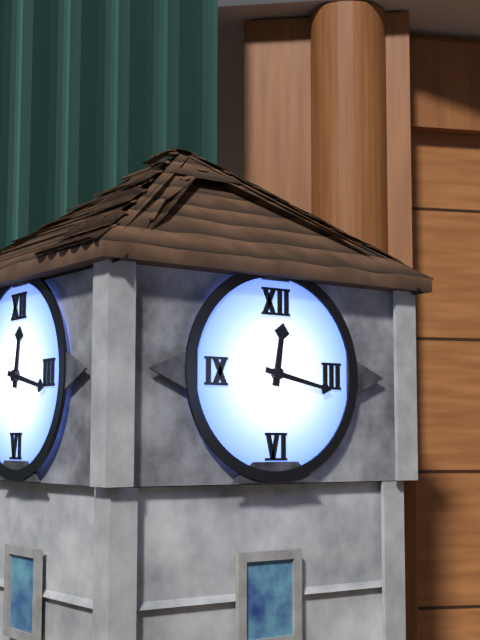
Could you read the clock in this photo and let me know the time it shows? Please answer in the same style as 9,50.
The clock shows 12,17
